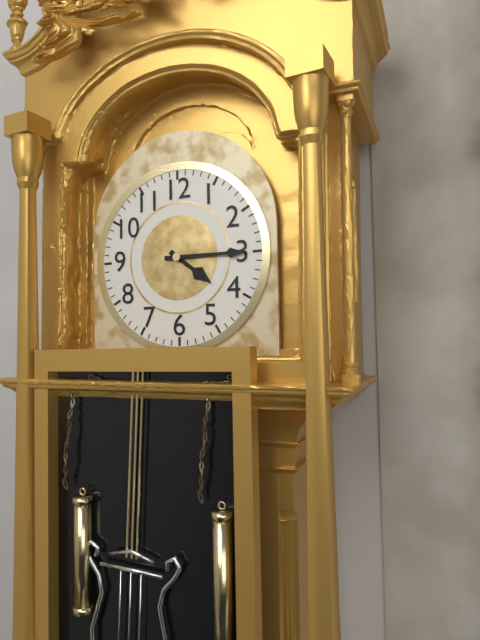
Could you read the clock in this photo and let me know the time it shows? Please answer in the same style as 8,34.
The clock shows 4,15
